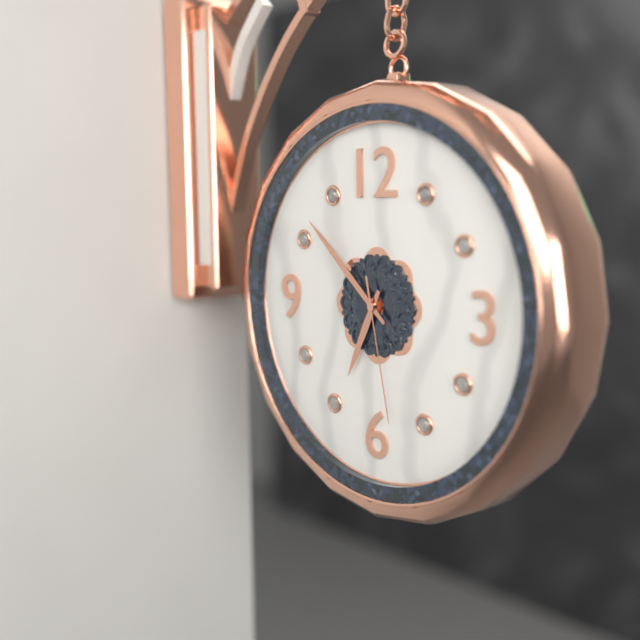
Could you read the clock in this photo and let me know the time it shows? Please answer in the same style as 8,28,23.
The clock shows 6,52,28
